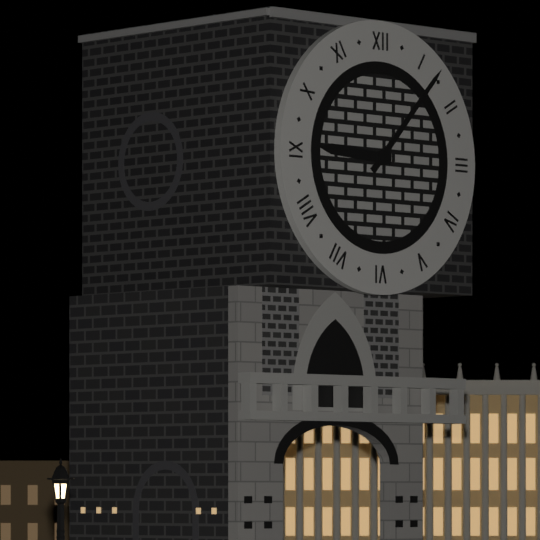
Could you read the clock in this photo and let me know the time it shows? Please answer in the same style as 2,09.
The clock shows 9,07
